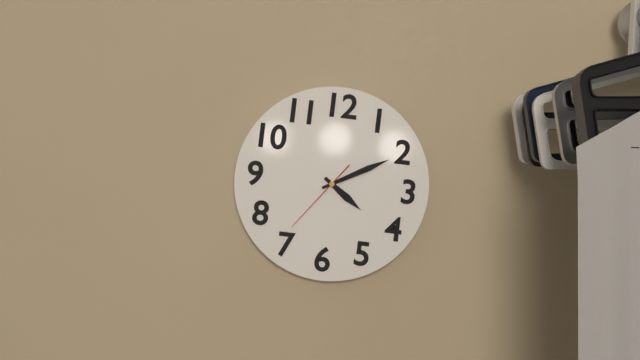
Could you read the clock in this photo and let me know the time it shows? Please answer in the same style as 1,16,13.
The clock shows 4,10,36
